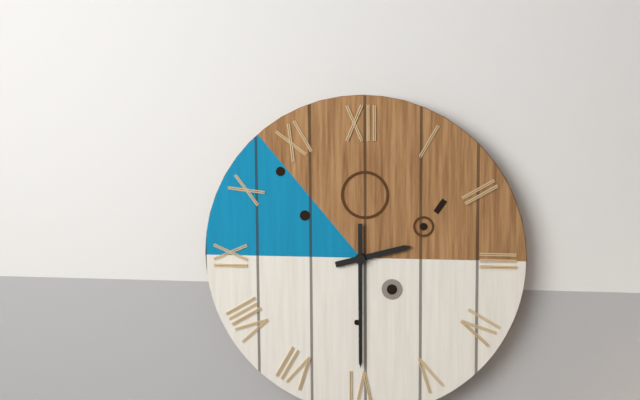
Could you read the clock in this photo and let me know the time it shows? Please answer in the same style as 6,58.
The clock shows 2,30
